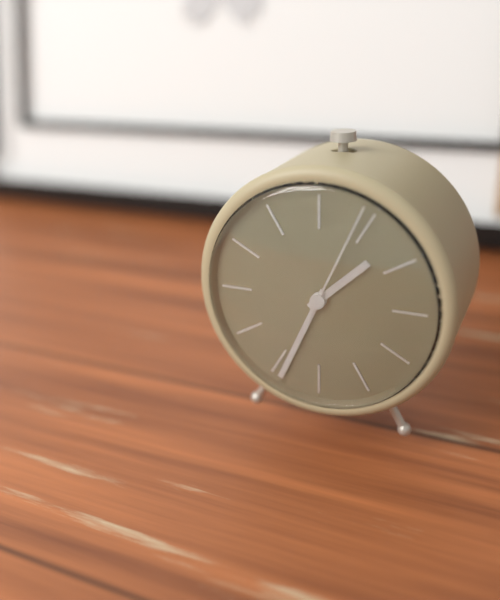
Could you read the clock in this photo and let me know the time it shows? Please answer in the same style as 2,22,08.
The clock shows 1,34,04
